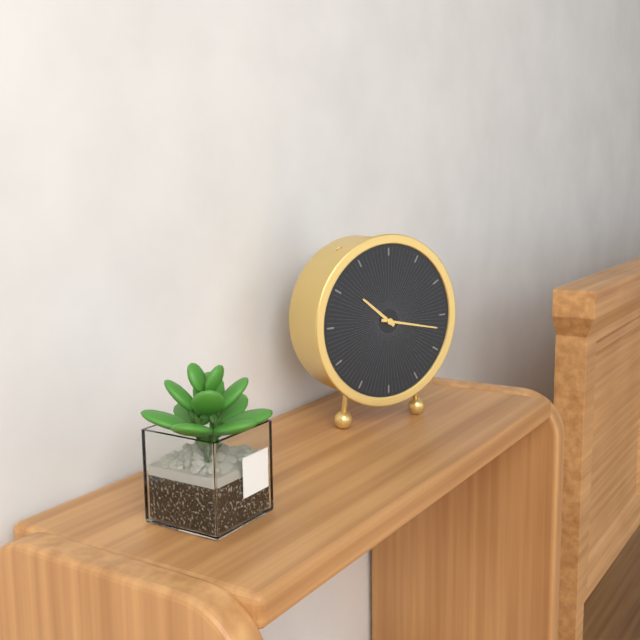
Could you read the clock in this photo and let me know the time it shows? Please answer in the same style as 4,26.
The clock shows 10,17
